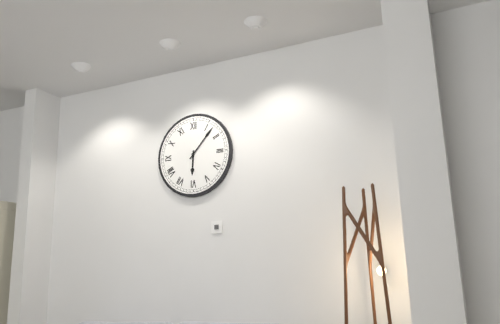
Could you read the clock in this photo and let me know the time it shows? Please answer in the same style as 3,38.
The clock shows 6,07
